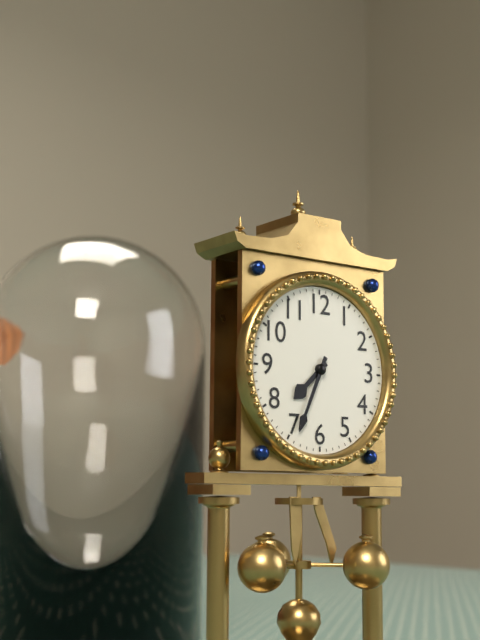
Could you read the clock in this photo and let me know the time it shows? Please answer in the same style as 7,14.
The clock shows 7,34
